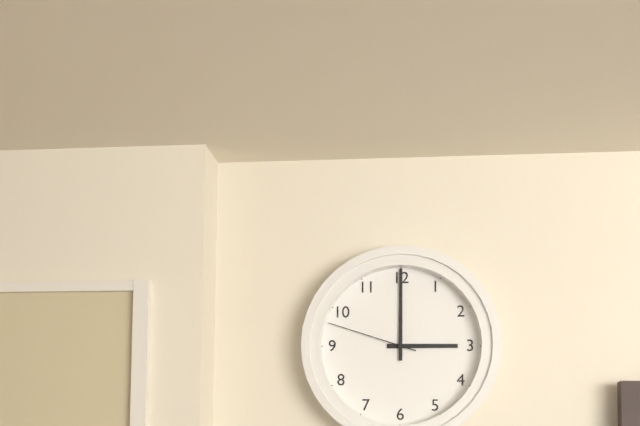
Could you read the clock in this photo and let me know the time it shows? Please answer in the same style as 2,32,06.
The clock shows 3,00,48
